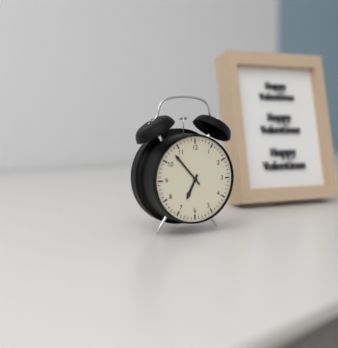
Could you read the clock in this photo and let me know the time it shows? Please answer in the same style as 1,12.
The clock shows 6,53
